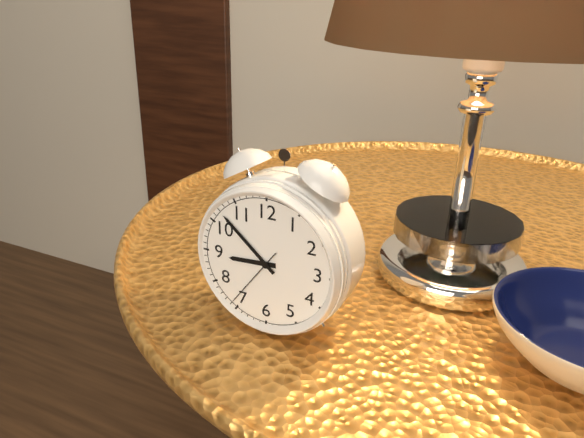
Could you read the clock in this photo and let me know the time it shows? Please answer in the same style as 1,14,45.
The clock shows 8,52,36
